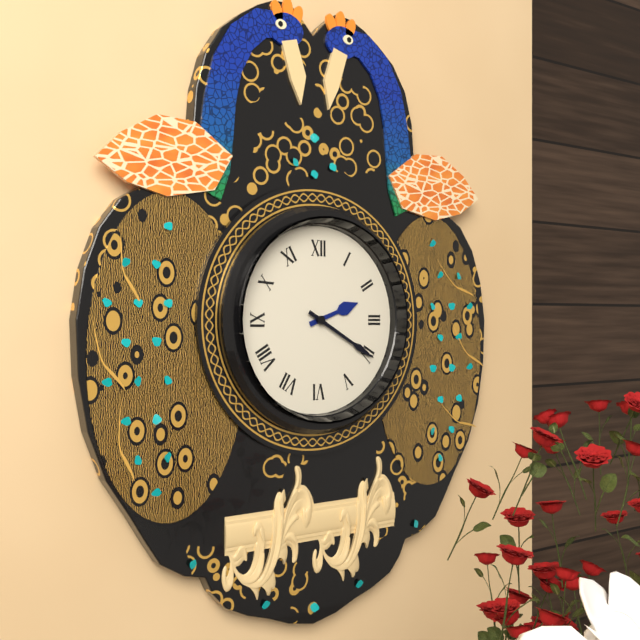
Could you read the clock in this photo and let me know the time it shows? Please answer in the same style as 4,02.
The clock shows 2,20
